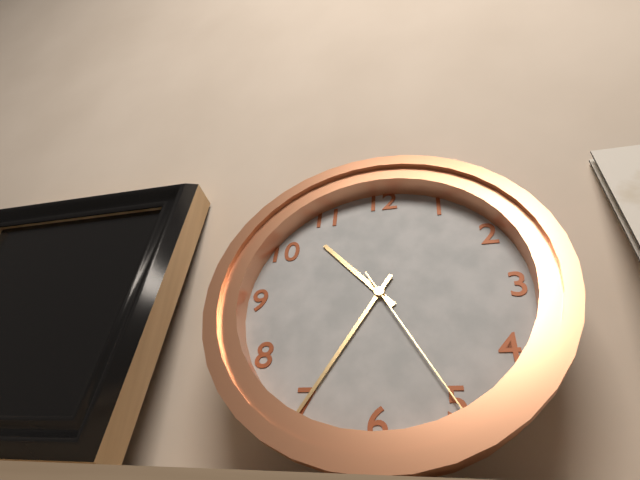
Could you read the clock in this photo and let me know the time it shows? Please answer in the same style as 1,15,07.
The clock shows 10,35,25
